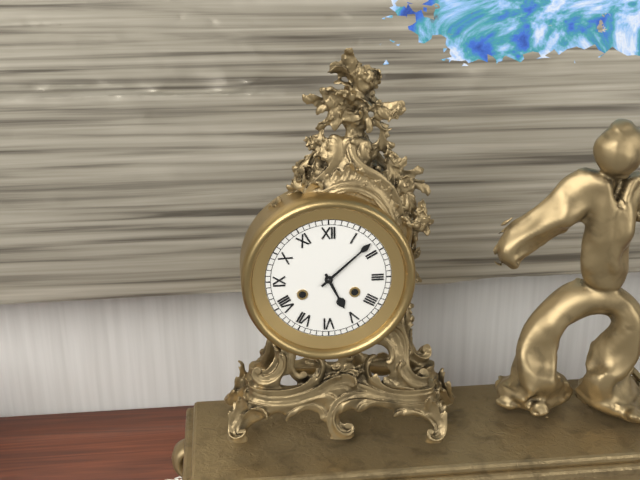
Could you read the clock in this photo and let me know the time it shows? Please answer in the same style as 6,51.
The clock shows 5,08
